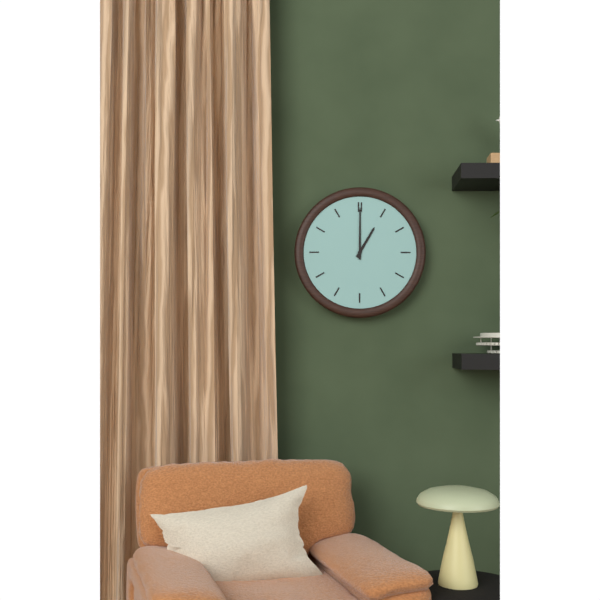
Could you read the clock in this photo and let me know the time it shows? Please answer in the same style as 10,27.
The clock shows 1,00
